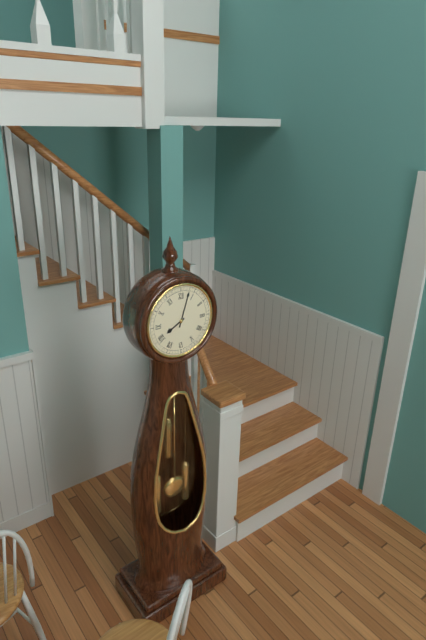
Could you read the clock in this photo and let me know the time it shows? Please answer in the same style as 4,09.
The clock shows 8,03
